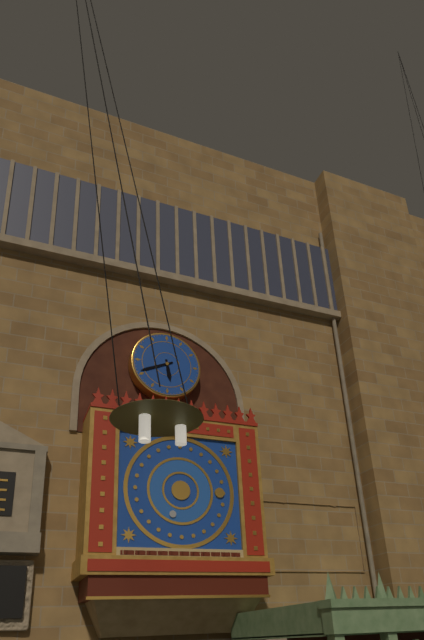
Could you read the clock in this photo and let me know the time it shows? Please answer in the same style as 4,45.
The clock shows 5,41
